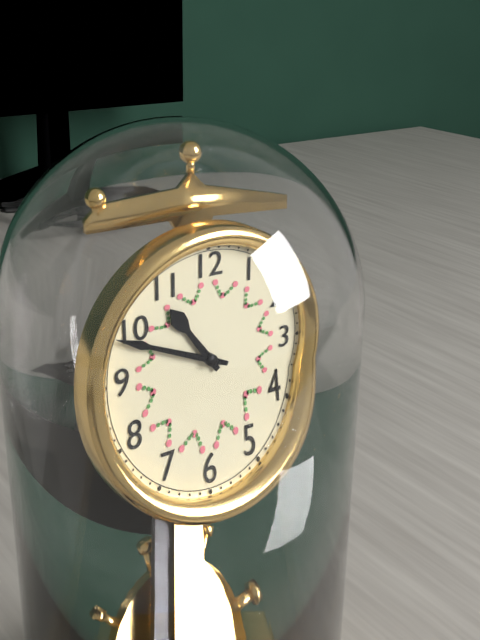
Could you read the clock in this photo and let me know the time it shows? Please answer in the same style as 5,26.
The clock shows 10,49
